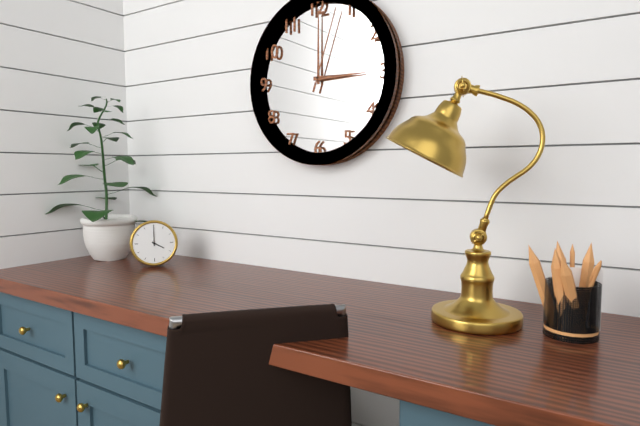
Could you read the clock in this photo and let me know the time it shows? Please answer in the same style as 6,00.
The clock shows 4,00
